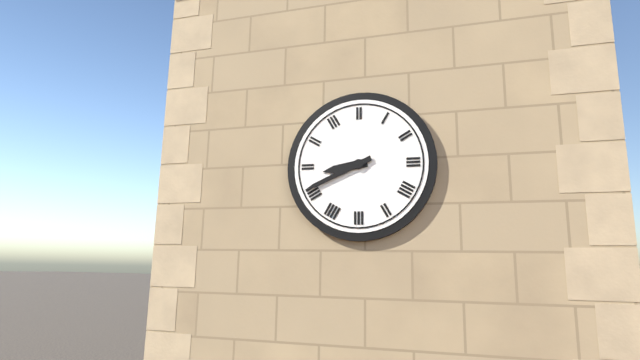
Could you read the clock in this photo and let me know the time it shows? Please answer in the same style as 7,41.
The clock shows 8,41
